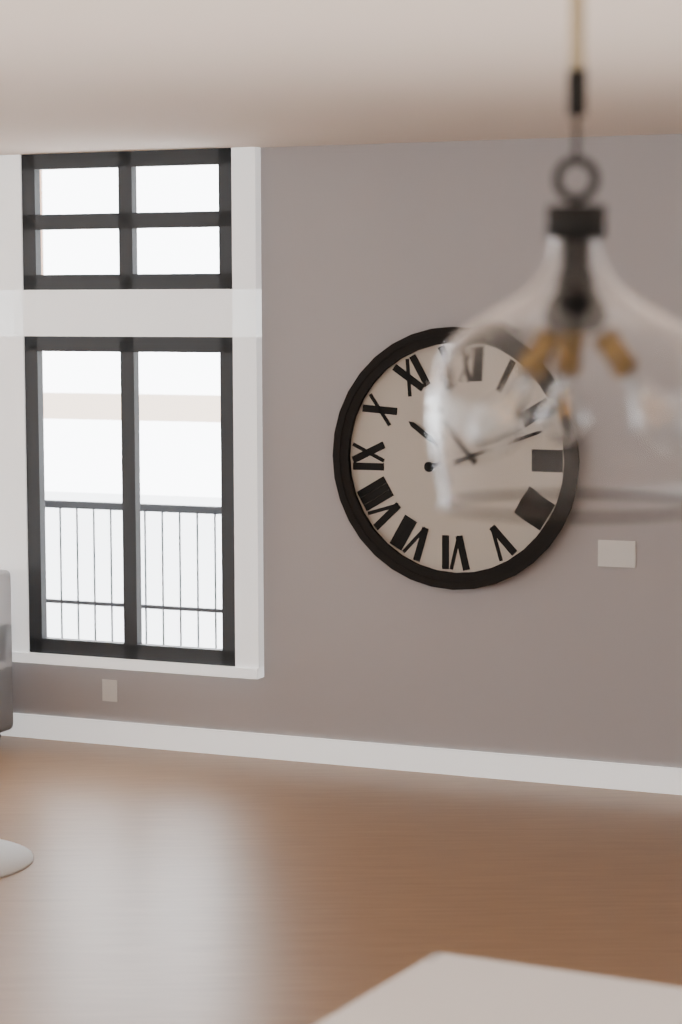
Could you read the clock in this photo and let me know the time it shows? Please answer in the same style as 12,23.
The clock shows 10,12
